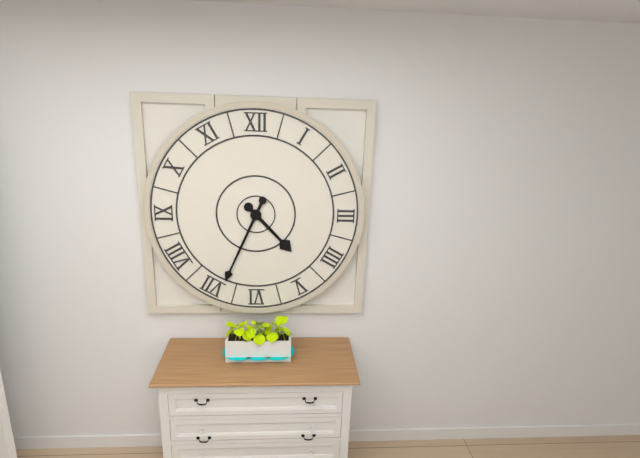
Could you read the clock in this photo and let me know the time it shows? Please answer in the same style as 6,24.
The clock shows 4,34
